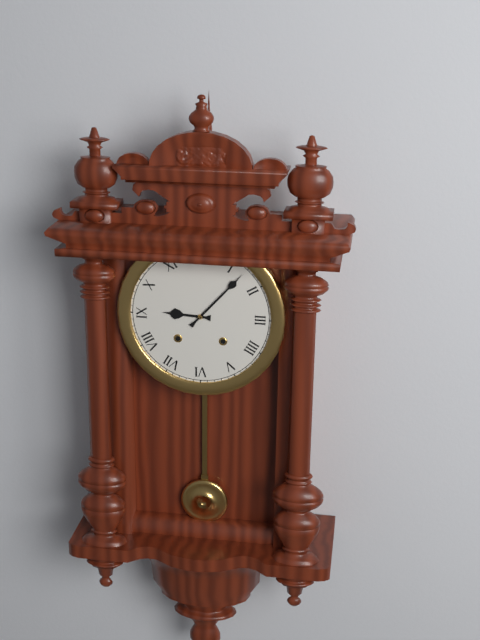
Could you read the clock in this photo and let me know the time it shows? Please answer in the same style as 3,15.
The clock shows 9,07
